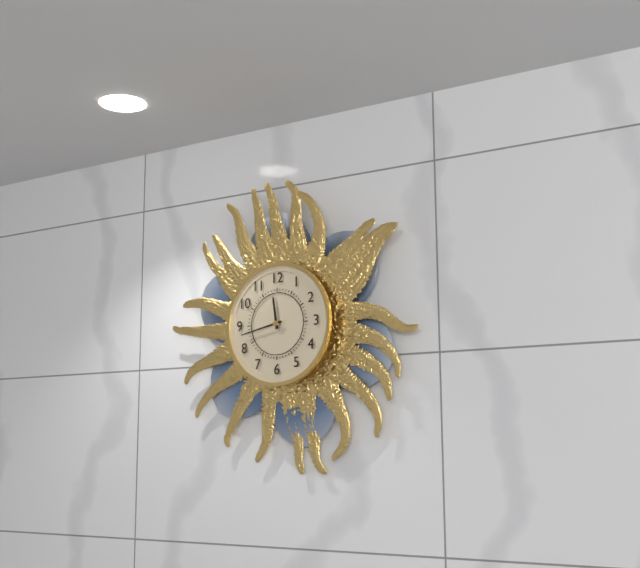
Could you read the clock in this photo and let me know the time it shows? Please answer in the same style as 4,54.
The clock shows 11,43
